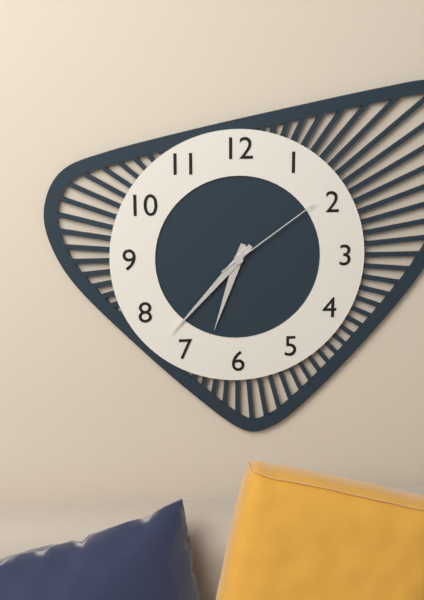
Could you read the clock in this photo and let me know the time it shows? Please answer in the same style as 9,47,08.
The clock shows 6,37,09
